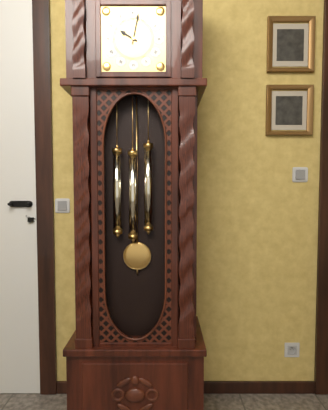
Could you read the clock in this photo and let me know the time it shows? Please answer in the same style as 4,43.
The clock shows 10,02
